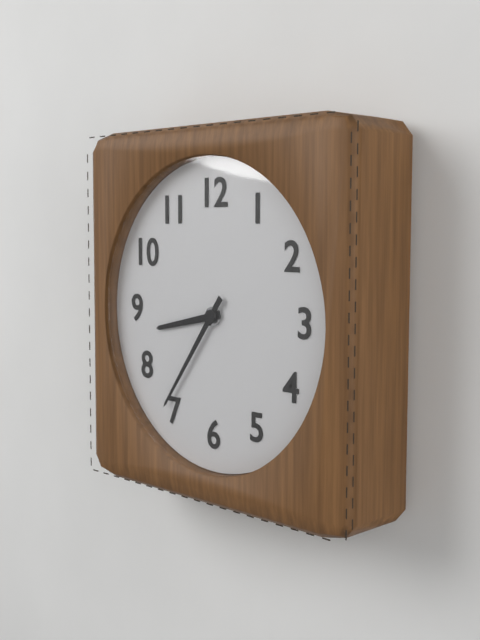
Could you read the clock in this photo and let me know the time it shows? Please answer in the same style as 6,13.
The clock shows 8,36
